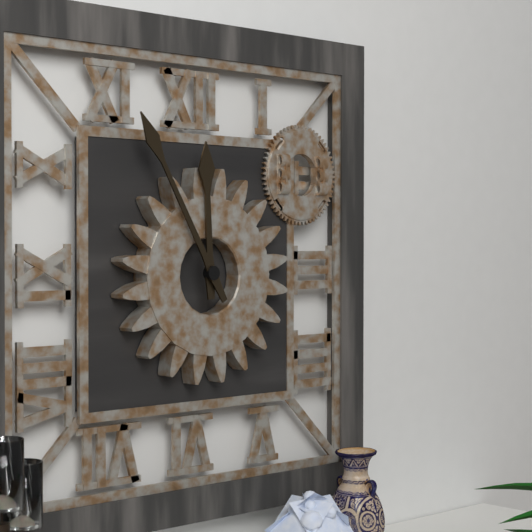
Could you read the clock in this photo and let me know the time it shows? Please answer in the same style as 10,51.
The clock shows 11,55
